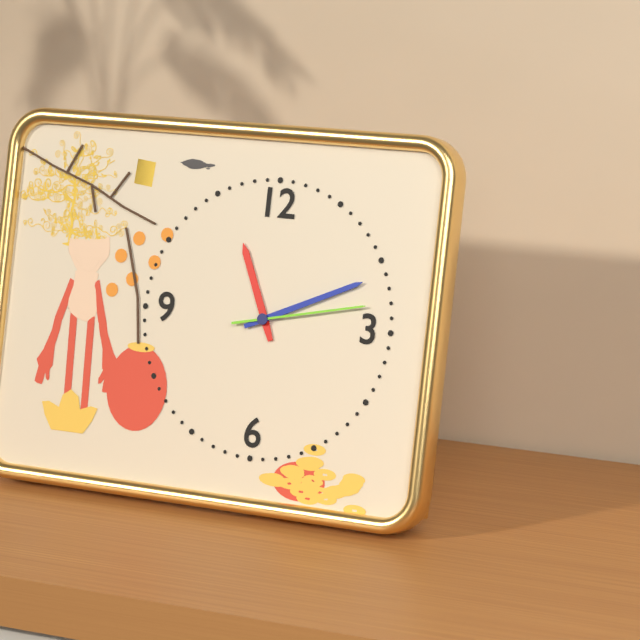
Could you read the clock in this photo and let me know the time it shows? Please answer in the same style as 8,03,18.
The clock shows 11,11,13
